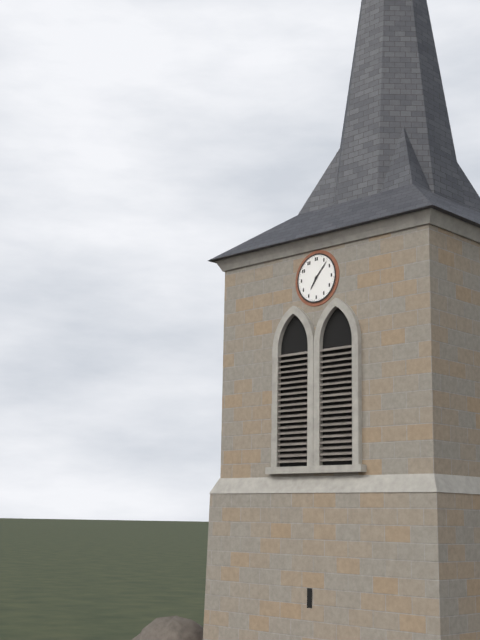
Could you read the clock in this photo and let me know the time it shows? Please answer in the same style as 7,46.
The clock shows 7,07
